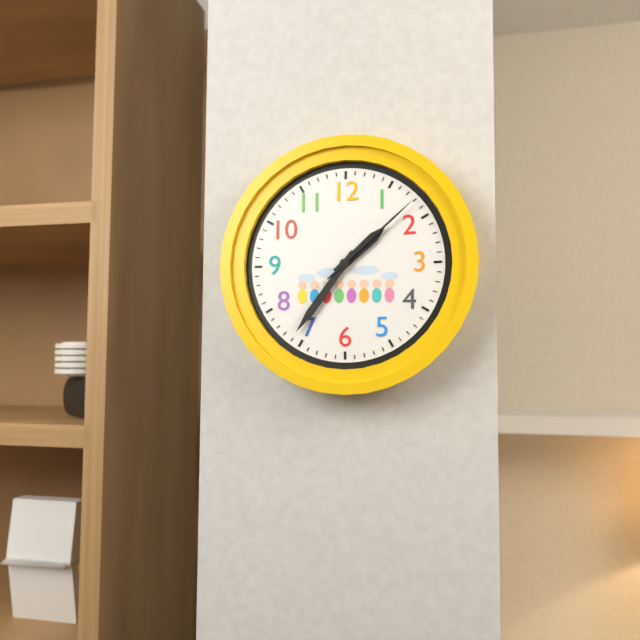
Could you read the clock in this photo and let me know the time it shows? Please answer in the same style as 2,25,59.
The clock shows 1,36,08
